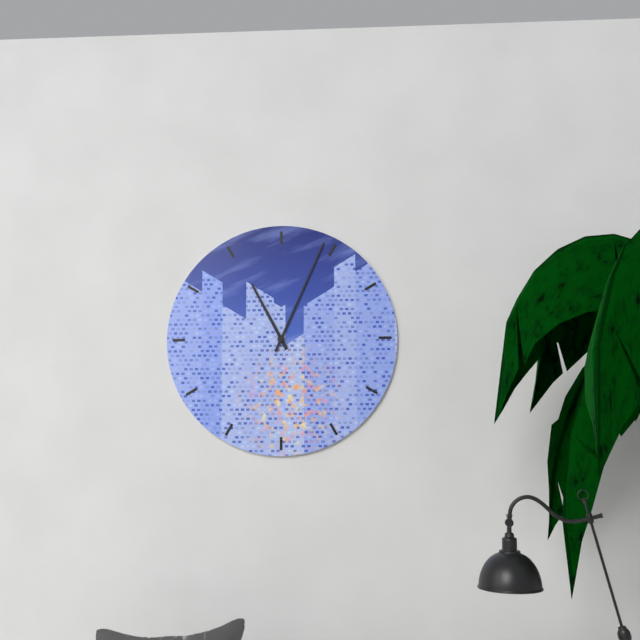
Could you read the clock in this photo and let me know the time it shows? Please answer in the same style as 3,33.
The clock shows 11,04
